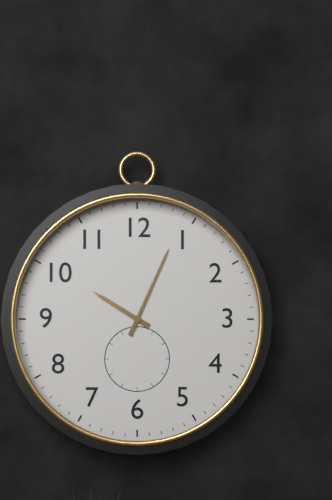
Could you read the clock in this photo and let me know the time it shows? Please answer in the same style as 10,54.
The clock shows 10,04
